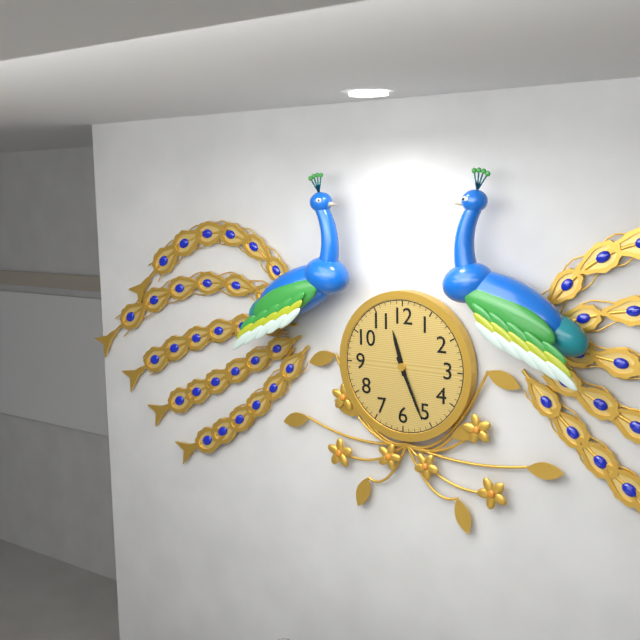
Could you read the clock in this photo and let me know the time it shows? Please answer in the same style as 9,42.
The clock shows 11,26
